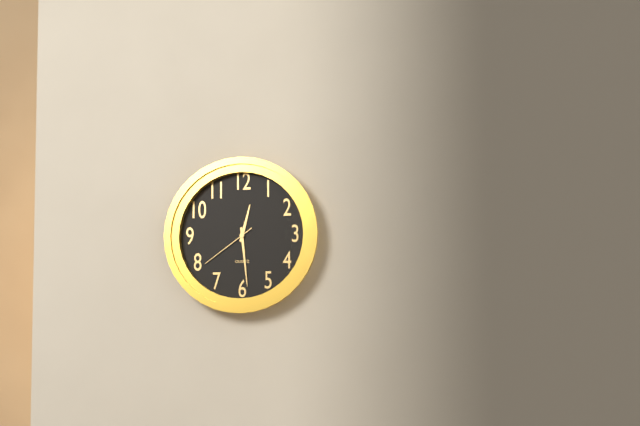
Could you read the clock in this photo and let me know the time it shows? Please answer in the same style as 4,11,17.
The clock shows 12,29,39
